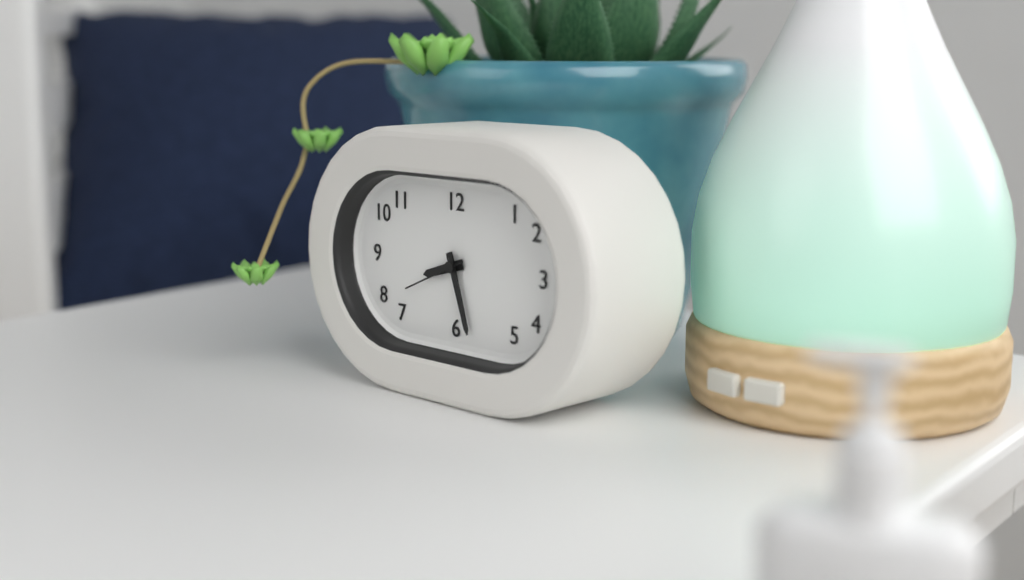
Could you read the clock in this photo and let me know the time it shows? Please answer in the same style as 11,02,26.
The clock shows 8,27,41
